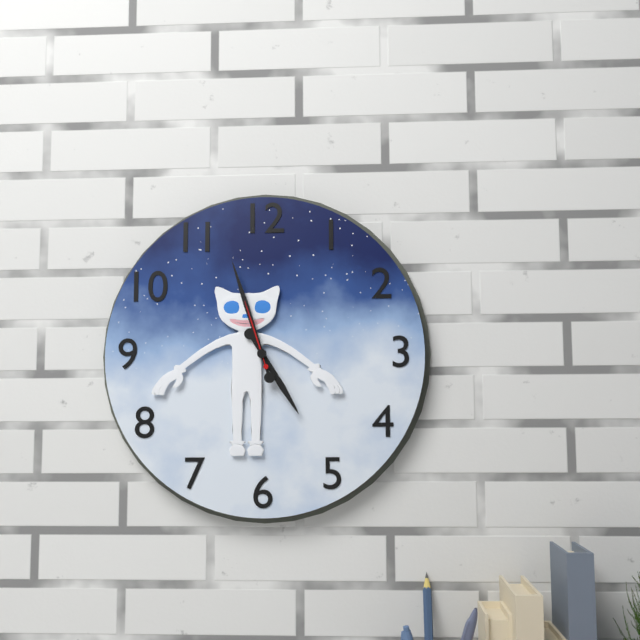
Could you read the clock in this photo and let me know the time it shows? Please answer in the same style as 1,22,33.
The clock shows 4,57,57
